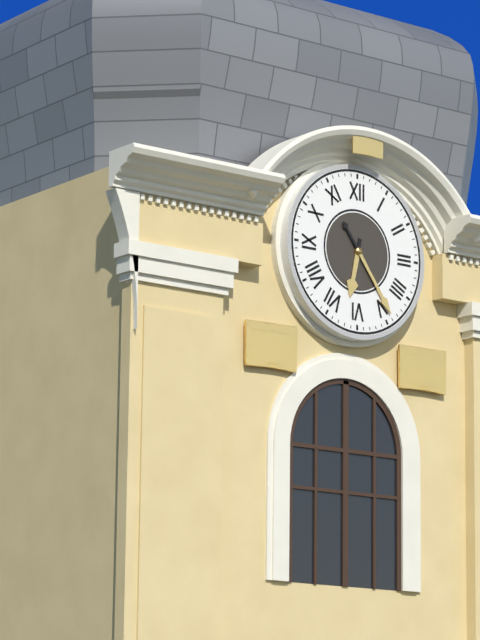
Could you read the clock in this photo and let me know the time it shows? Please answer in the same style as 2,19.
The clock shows 6,24
